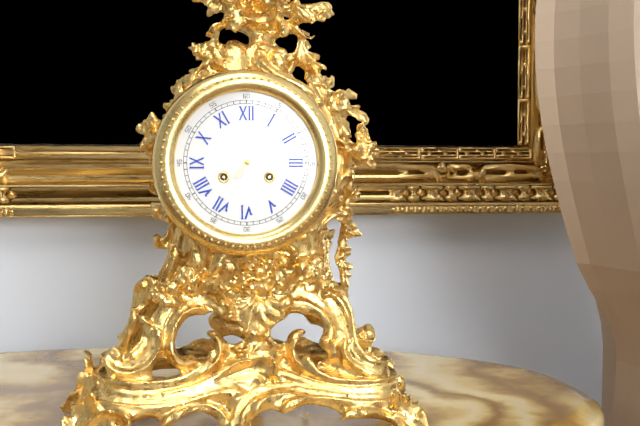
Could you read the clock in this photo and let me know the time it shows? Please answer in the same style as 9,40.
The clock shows 1,06
